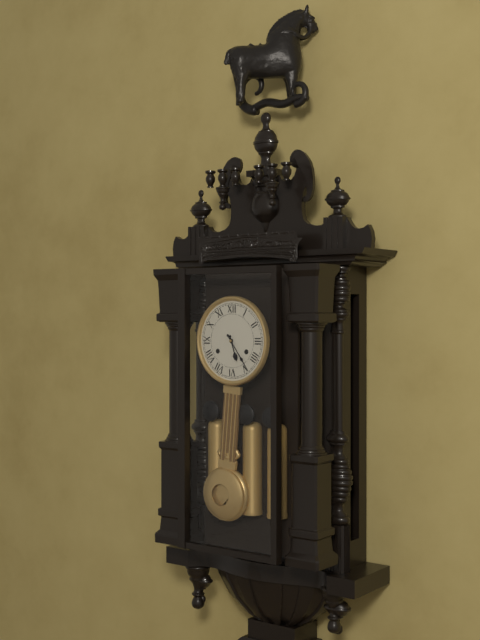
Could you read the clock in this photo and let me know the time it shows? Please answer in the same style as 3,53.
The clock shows 5,24
